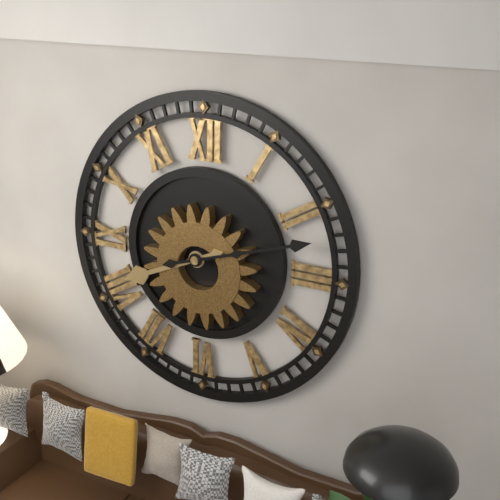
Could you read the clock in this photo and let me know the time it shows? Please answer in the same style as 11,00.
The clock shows 8,12
